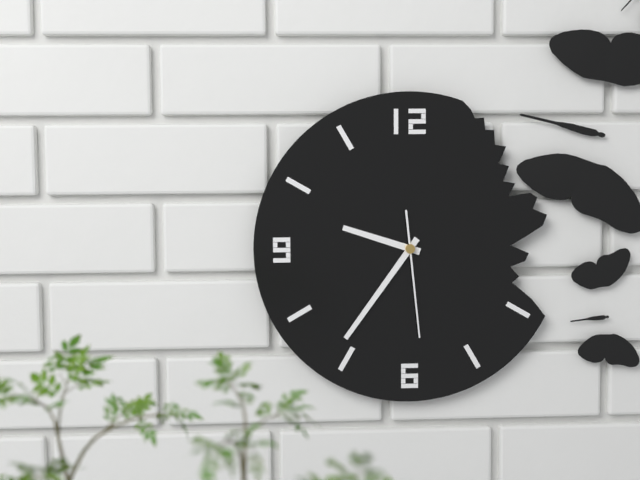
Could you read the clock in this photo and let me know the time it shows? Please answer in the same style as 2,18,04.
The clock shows 9,36,29
